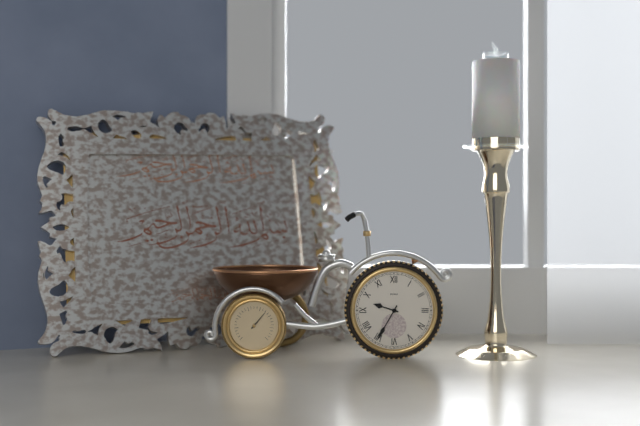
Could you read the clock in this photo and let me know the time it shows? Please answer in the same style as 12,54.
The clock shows 9,35
